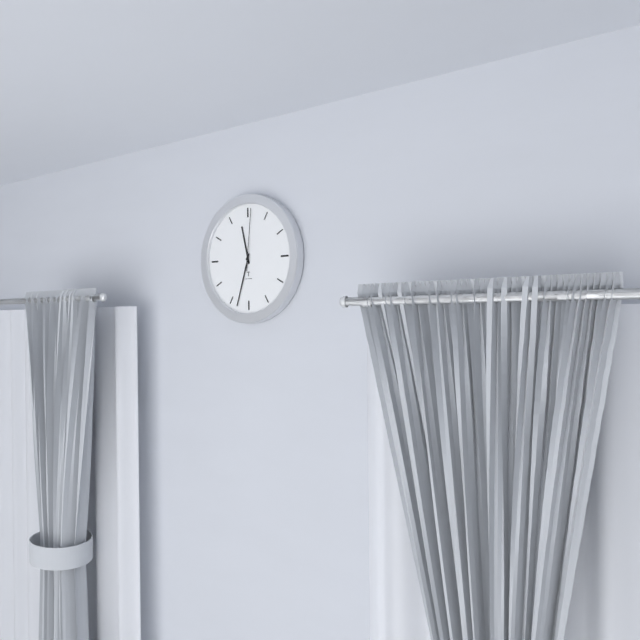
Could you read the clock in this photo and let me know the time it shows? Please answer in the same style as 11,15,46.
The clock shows 11,33,01
